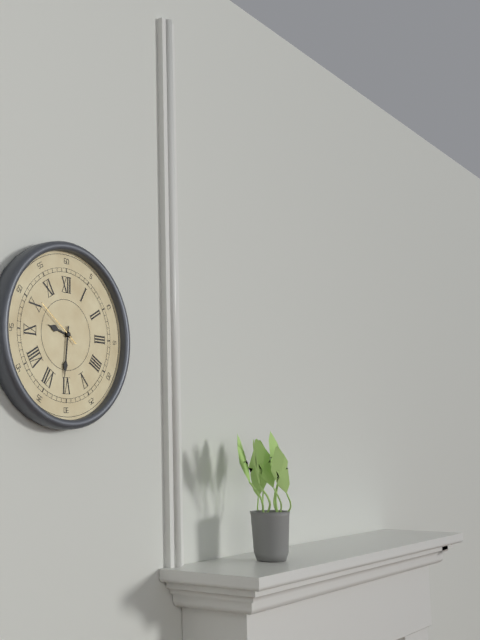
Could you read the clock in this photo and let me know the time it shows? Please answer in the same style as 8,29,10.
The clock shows 9,31,51
